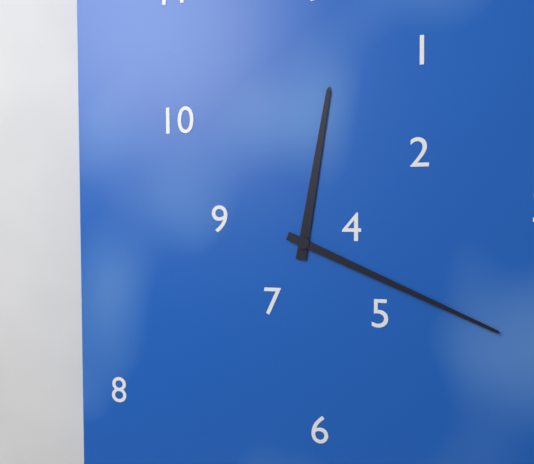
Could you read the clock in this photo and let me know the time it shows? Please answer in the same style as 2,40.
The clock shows 12,19
